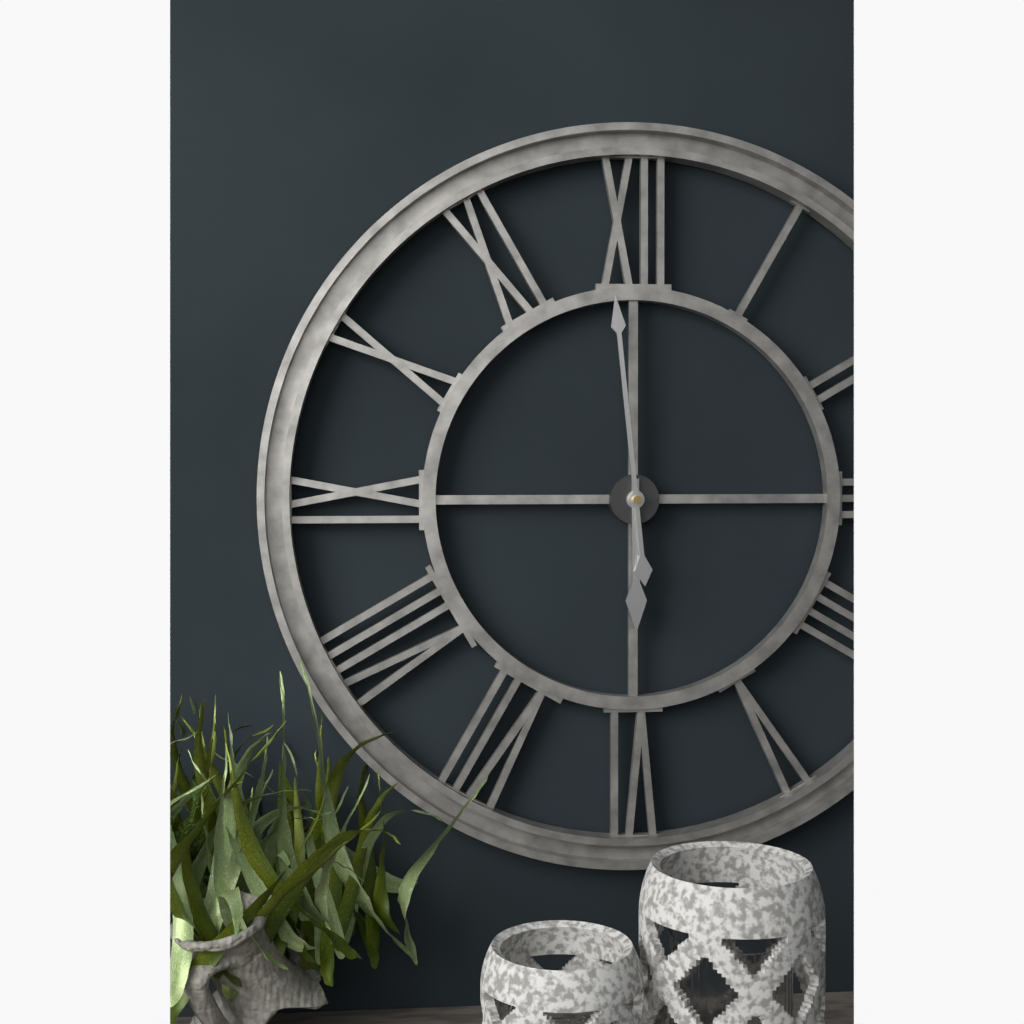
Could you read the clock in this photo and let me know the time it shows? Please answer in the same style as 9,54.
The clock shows 5,59
